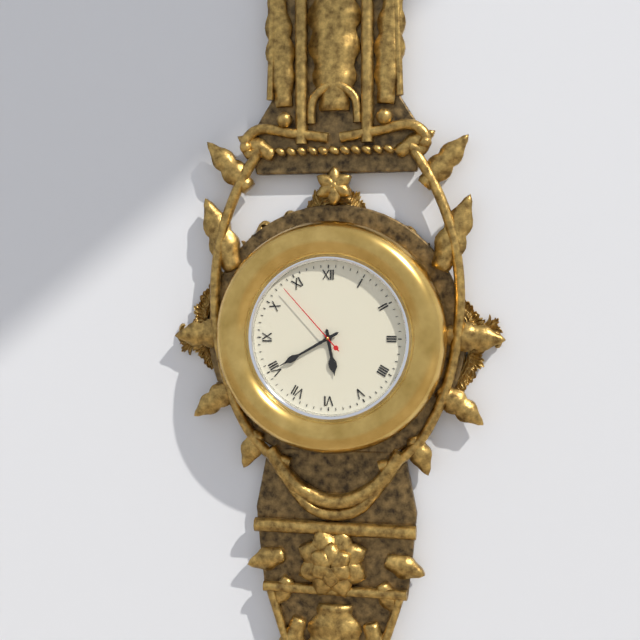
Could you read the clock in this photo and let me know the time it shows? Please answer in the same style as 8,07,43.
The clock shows 5,40,53
